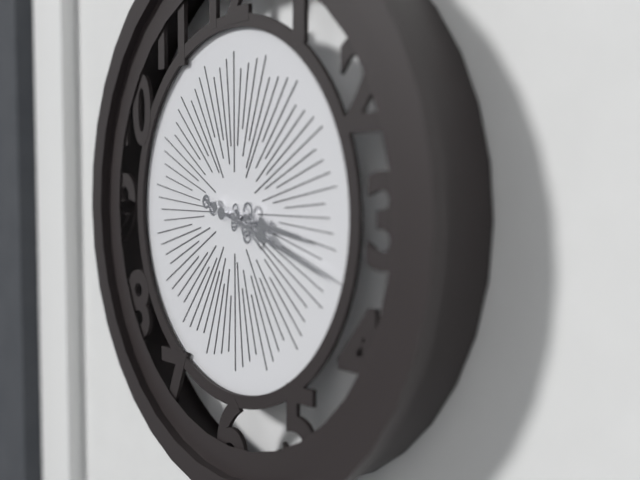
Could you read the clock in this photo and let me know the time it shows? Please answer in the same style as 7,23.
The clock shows 3,18
